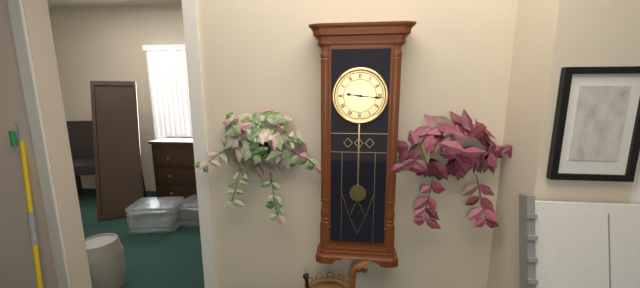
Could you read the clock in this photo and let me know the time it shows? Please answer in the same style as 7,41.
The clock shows 9,16
